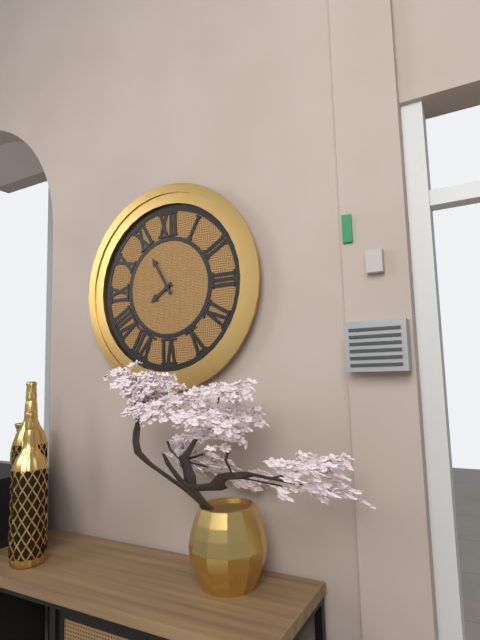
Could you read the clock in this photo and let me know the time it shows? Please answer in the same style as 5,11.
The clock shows 7,55
